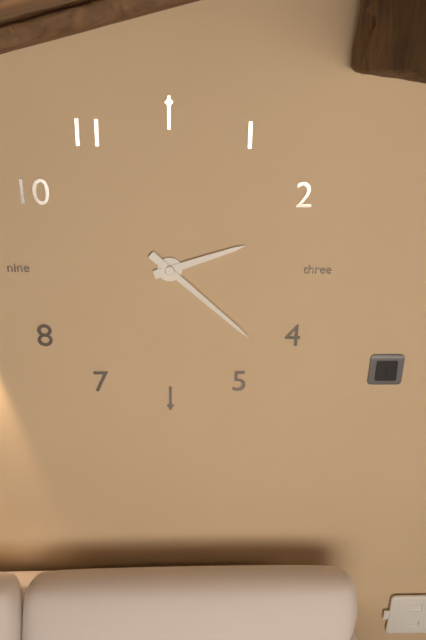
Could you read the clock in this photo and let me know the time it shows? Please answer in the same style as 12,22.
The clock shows 2,22
